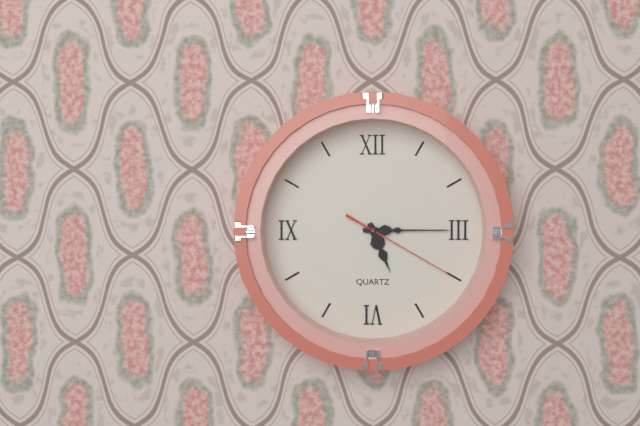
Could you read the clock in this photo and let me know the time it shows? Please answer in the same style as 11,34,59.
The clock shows 5,15,20
